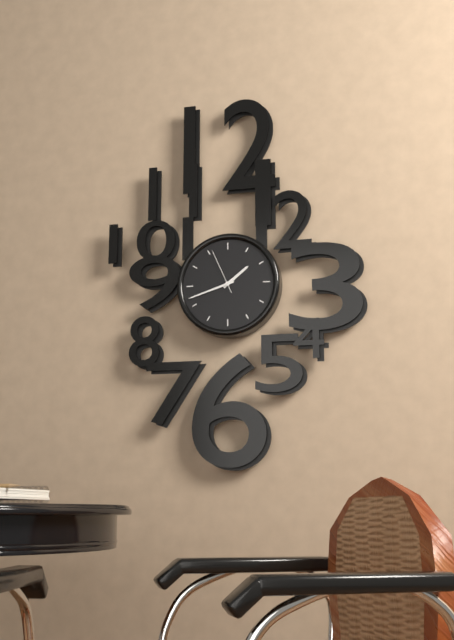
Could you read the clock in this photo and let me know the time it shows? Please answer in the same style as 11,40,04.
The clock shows 1,42,56
